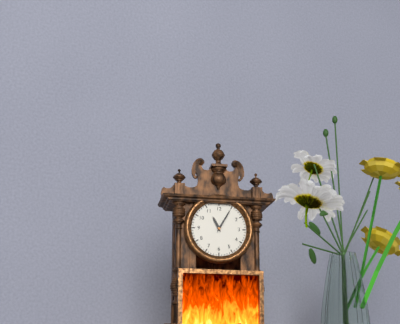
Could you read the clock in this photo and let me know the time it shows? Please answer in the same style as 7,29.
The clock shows 11,05
